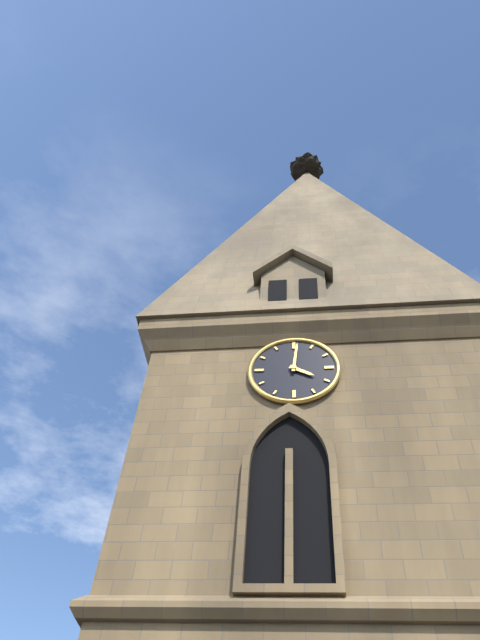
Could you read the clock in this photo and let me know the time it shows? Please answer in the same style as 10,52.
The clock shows 4,01
